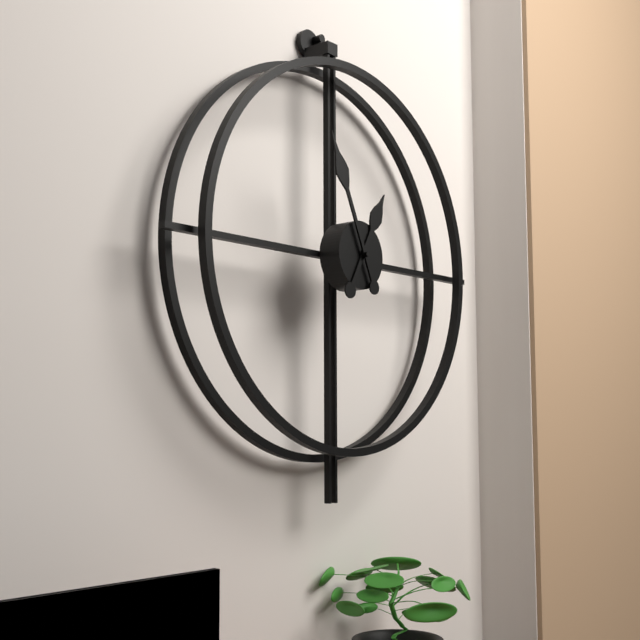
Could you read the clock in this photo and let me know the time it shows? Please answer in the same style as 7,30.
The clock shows 12,56
